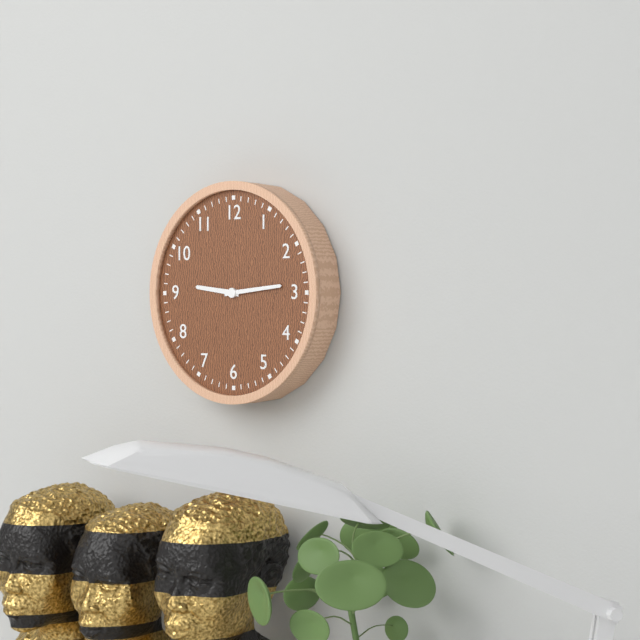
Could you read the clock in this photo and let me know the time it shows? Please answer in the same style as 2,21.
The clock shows 9,14
